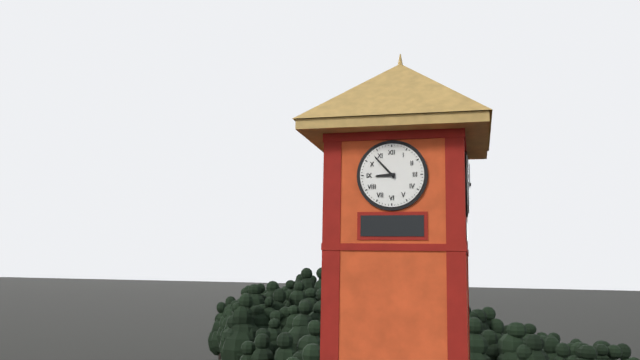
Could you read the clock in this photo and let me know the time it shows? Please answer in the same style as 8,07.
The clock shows 8,53
